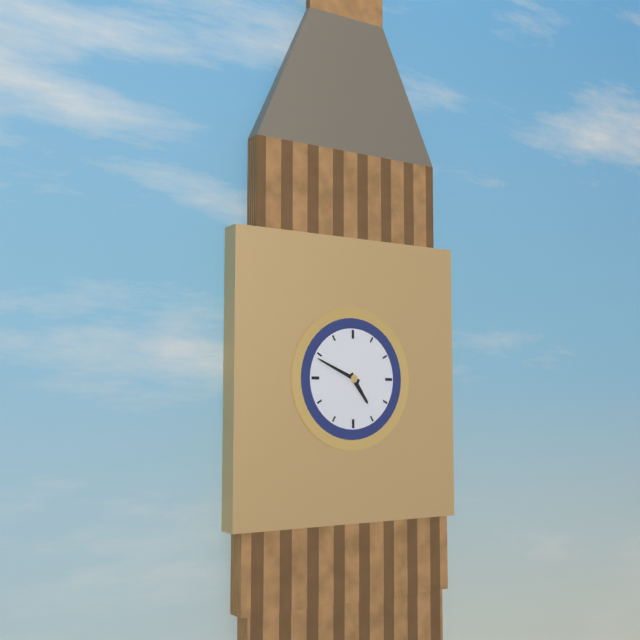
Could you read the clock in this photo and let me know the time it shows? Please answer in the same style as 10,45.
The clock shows 4,49
